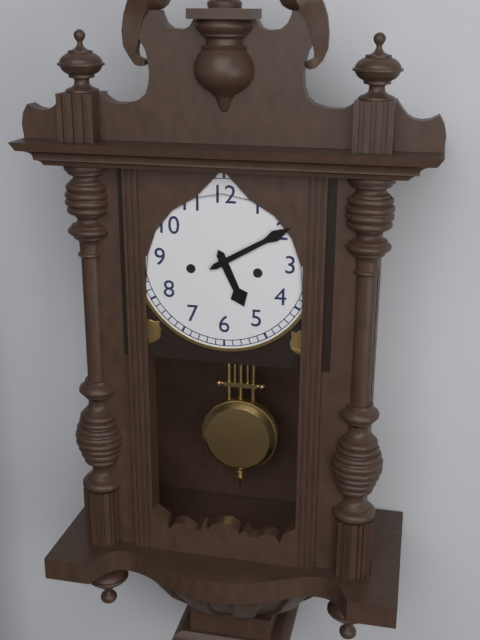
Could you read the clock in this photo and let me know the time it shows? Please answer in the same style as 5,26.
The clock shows 5,10
